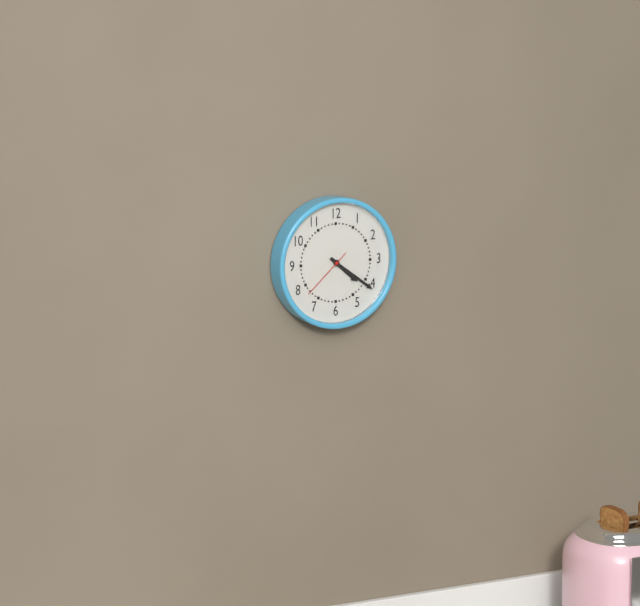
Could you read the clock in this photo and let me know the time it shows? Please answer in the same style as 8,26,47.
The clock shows 4,21,38
